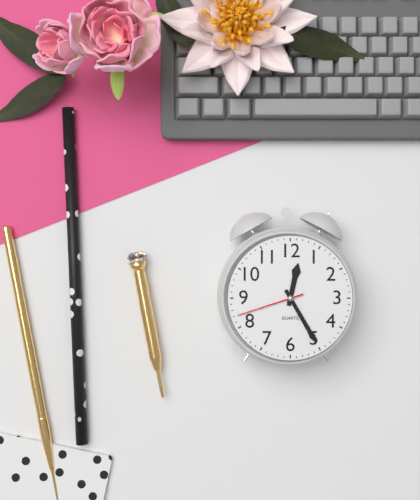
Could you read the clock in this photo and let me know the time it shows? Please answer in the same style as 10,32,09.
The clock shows 12,25,42
